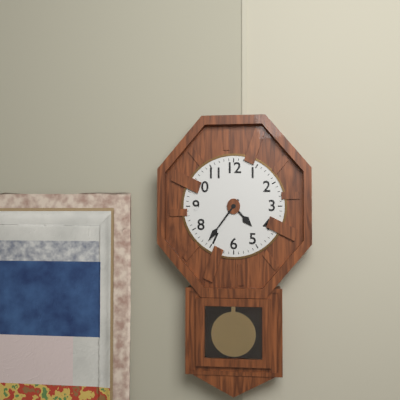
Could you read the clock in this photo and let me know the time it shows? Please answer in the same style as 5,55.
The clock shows 4,36
